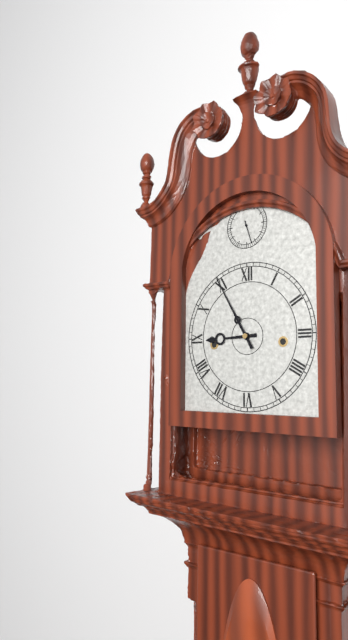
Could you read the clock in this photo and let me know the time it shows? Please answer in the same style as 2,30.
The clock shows 8,55
